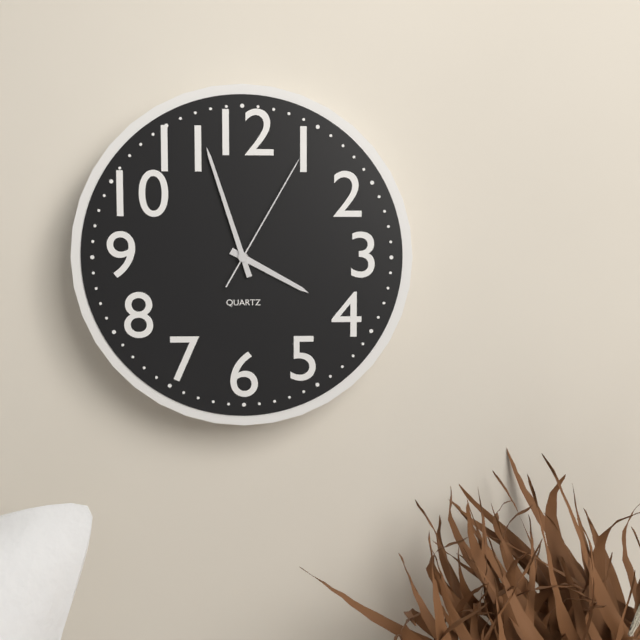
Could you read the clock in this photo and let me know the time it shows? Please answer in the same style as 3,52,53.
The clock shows 3,57,05
